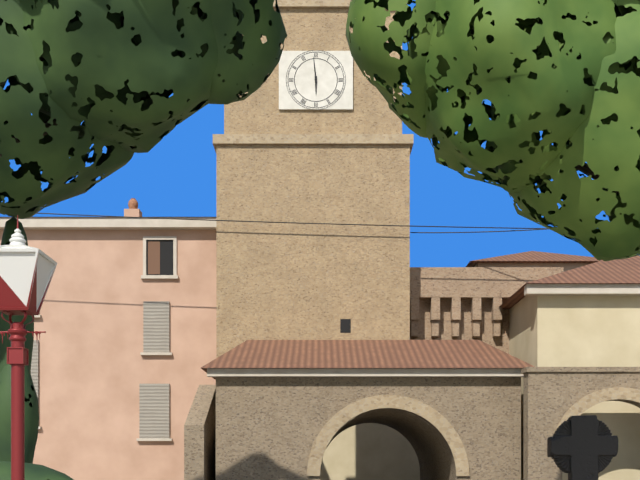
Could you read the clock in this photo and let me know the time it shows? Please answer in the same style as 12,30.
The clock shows 5,59
